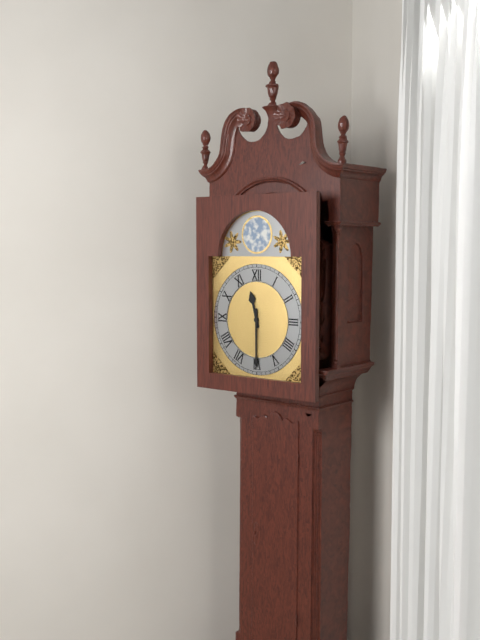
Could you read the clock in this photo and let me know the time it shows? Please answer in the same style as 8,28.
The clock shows 11,30
